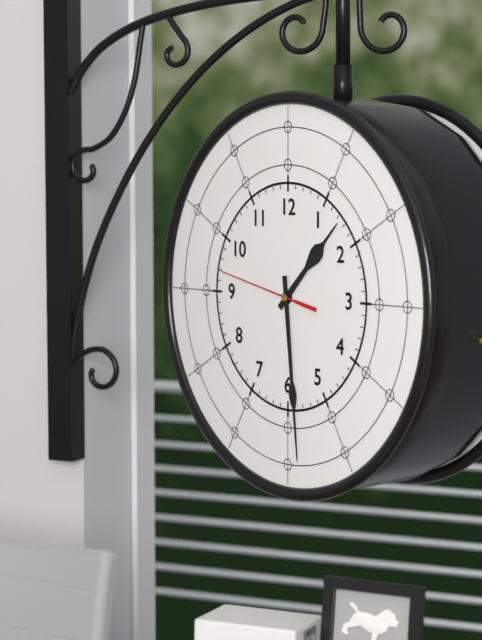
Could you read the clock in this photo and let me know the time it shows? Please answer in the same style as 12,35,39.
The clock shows 1,29,47
